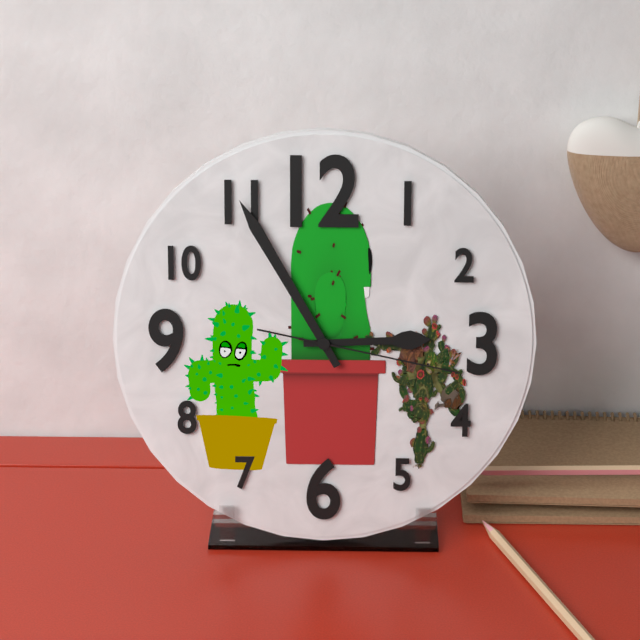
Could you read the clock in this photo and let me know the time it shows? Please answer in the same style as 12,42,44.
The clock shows 2,55,17
